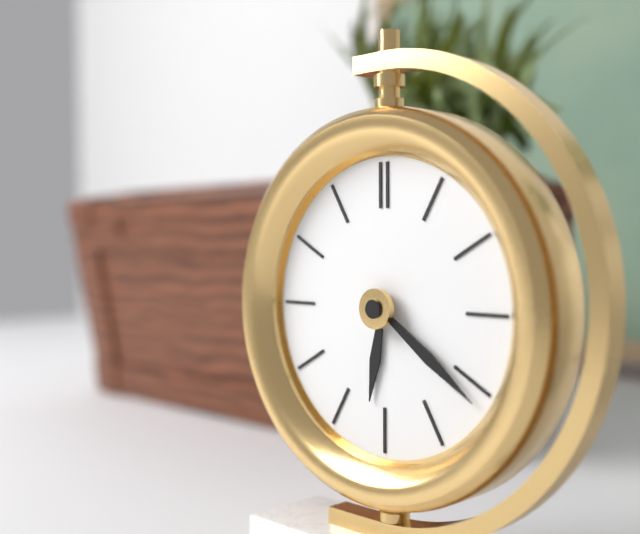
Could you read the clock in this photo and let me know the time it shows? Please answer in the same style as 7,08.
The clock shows 6,21
